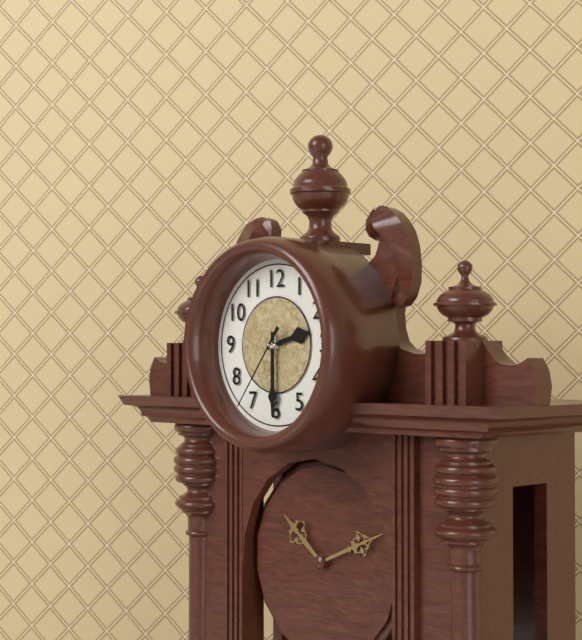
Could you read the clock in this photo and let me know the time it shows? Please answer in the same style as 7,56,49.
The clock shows 2,30,36
